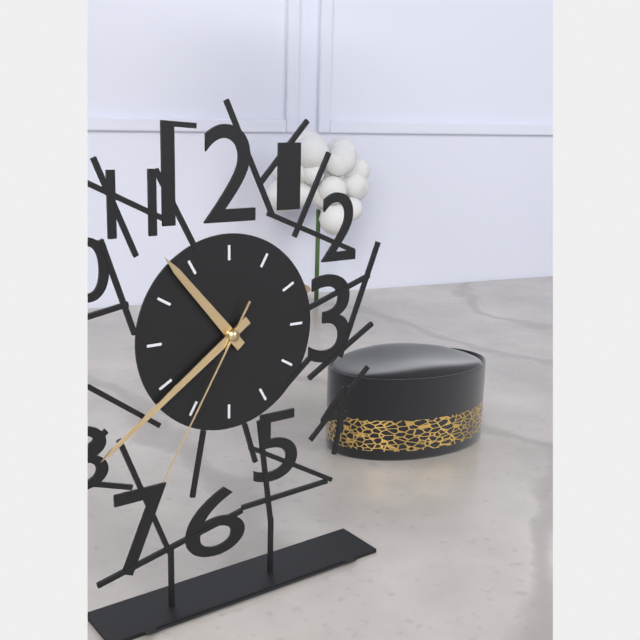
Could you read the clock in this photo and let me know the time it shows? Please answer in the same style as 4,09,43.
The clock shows 10,39,35
